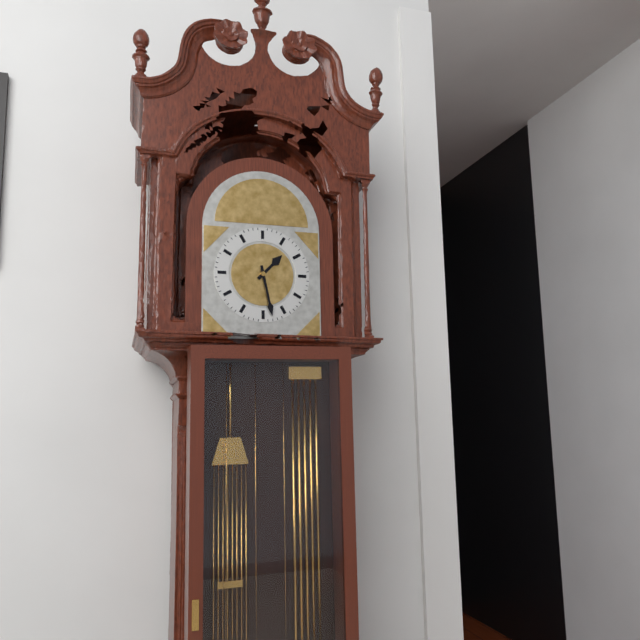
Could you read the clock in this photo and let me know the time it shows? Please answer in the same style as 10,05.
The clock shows 1,28
